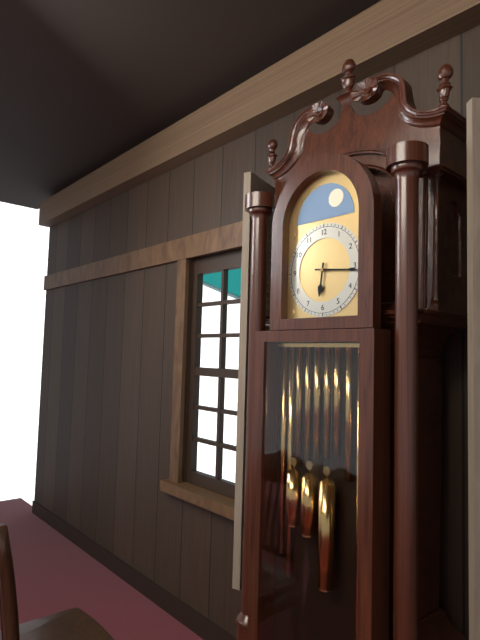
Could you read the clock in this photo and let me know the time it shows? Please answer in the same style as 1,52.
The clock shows 6,16
